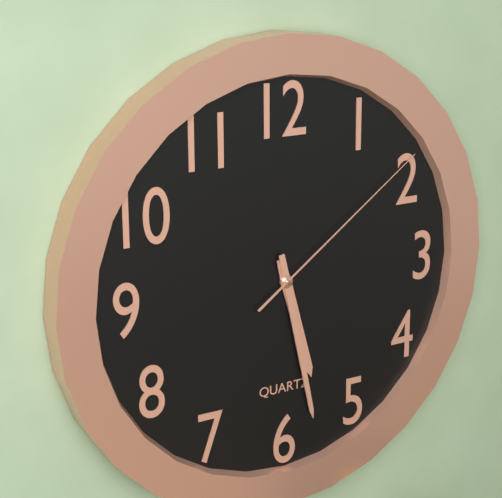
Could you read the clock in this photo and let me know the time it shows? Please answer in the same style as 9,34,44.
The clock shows 5,28,09
